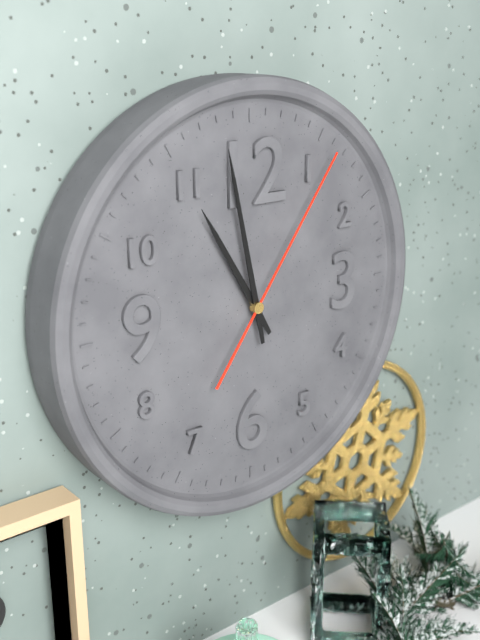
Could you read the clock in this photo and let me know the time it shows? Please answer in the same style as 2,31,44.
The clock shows 10,58,06
